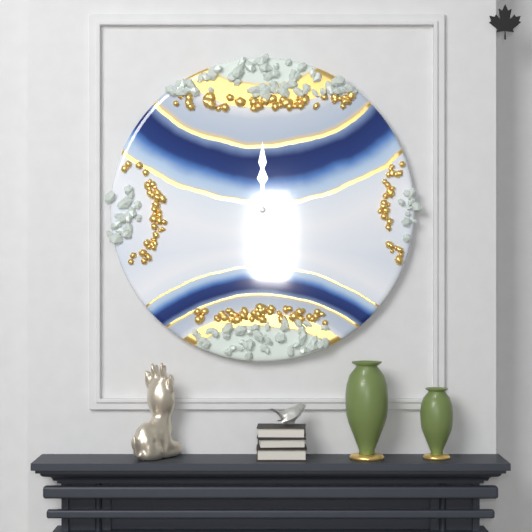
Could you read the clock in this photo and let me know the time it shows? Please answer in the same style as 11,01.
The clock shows 12,00
